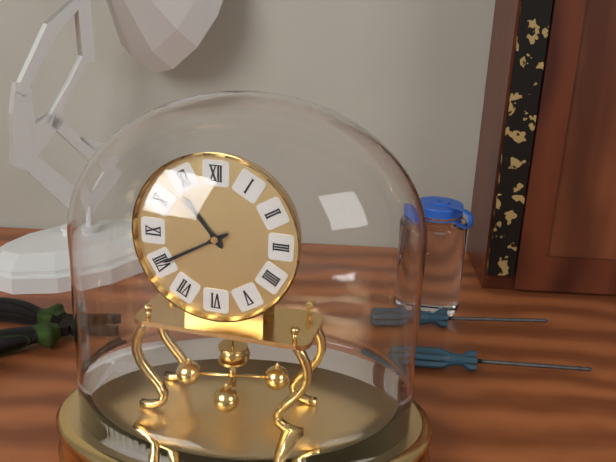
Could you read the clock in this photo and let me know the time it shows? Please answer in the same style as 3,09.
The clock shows 10,40
